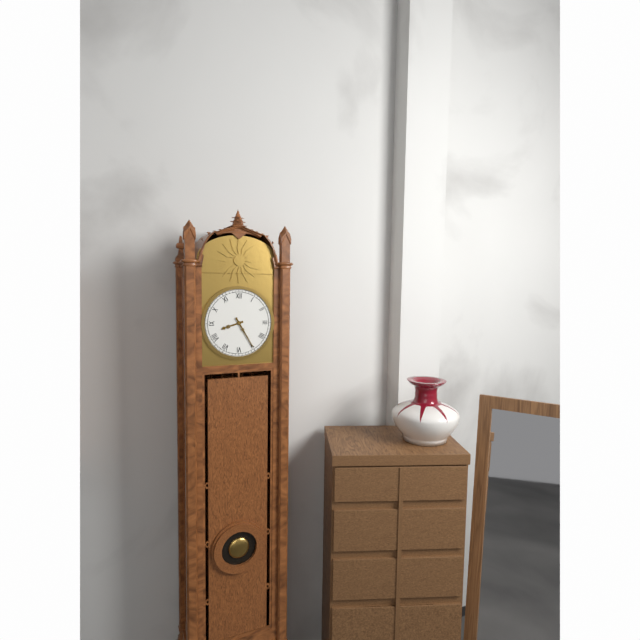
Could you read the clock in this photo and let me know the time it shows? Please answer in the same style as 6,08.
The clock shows 8,25
